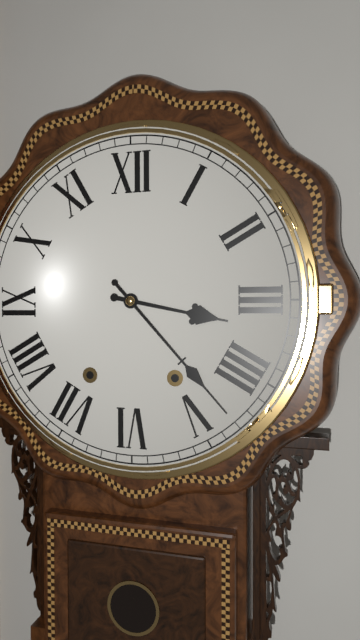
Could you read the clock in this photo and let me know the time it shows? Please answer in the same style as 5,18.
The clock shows 3,23
